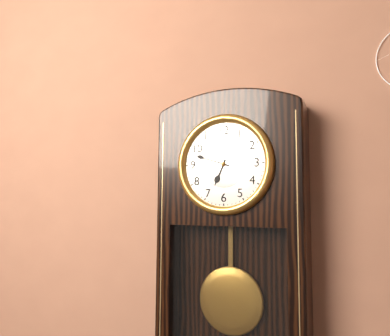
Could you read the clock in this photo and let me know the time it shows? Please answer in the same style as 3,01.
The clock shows 6,48
